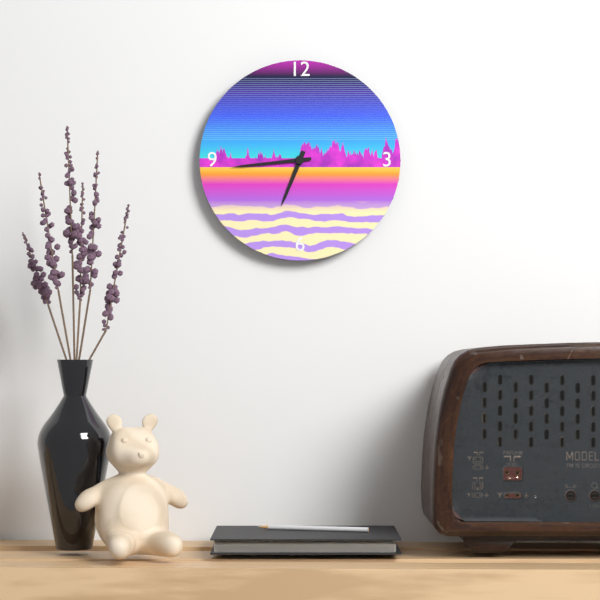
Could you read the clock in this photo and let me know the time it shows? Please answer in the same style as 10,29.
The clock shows 6,44
